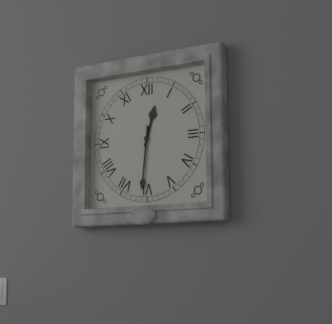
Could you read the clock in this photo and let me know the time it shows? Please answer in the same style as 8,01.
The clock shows 12,31
